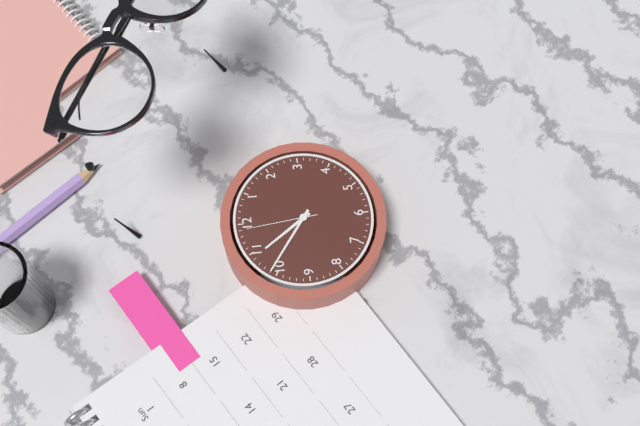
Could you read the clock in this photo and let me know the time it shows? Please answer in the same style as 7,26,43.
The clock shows 10,51,59
